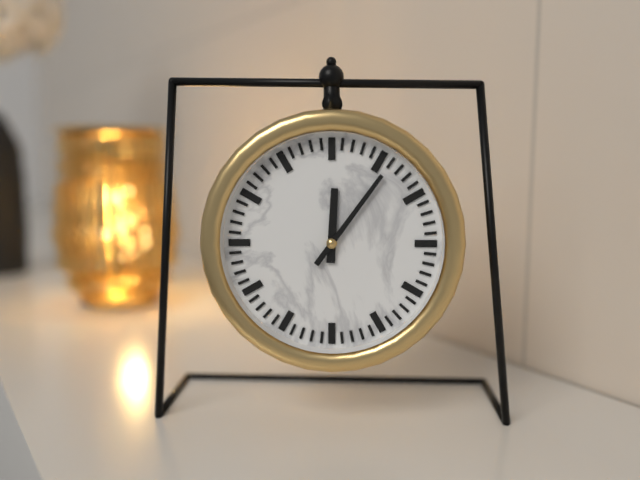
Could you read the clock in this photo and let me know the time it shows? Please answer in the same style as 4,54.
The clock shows 12,06
